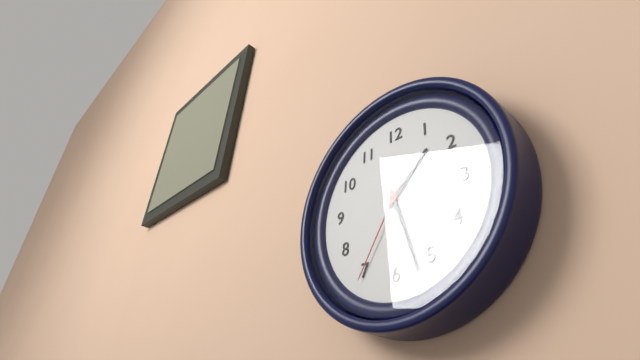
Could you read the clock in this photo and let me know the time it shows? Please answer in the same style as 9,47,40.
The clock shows 1,27,35
